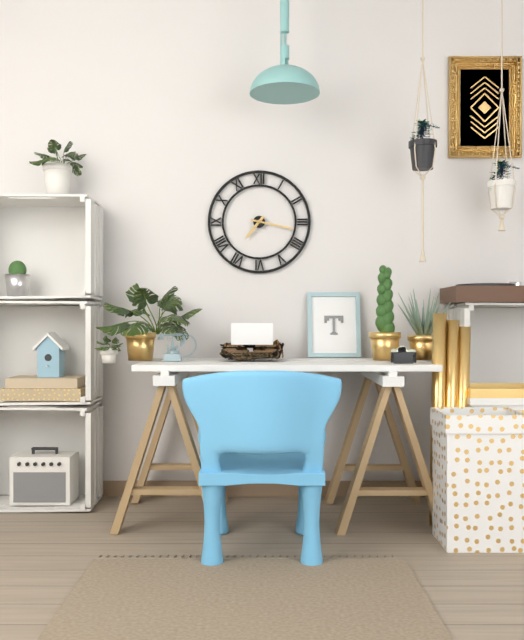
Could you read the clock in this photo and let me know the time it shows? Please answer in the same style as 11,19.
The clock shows 7,17
